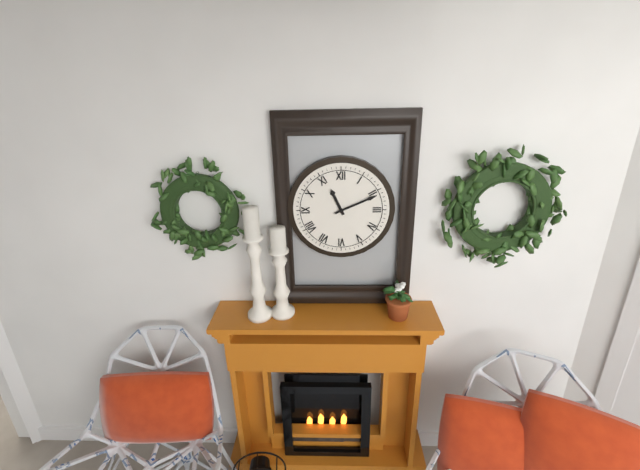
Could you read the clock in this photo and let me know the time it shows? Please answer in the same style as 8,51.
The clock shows 11,11
